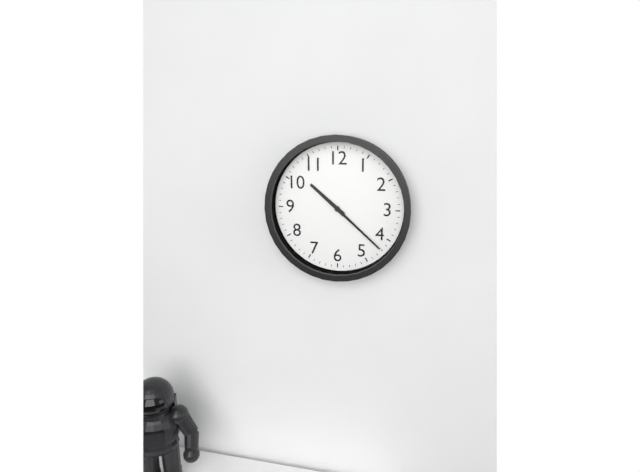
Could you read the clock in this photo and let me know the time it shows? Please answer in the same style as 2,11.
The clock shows 10,22
